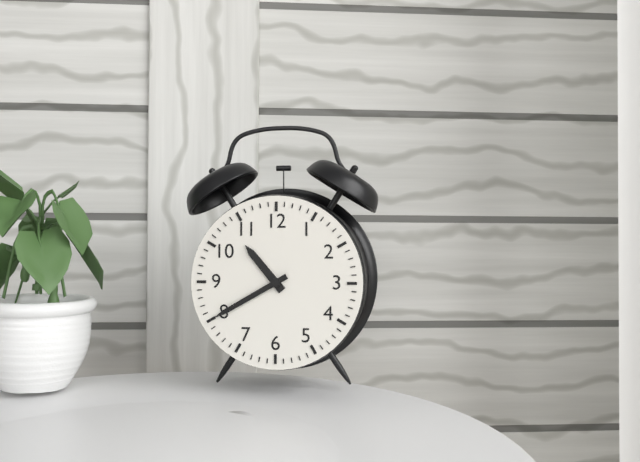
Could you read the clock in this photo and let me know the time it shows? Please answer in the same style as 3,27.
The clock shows 10,40
